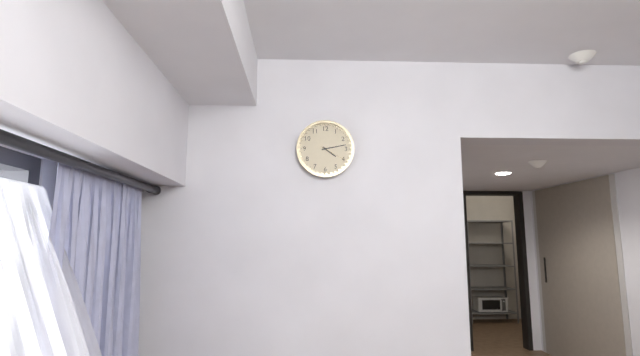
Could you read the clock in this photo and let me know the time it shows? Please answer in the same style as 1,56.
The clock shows 4,13
